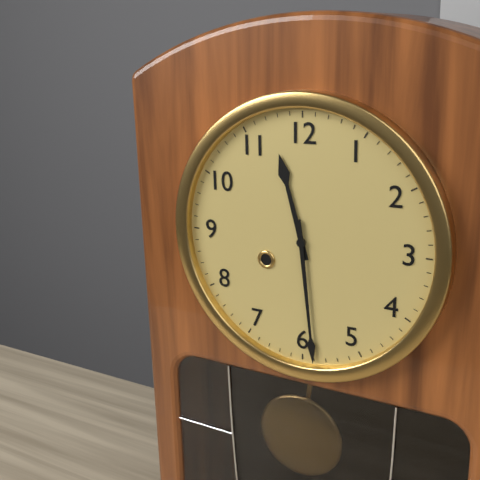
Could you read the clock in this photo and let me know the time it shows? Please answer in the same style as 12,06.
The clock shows 11,29
